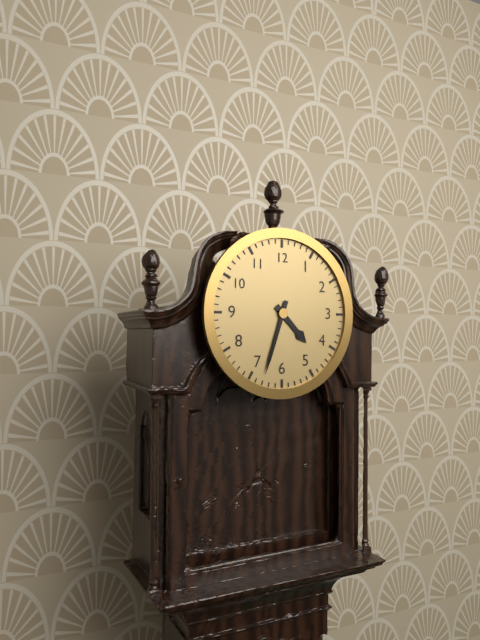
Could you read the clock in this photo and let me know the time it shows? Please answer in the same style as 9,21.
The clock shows 4,33
